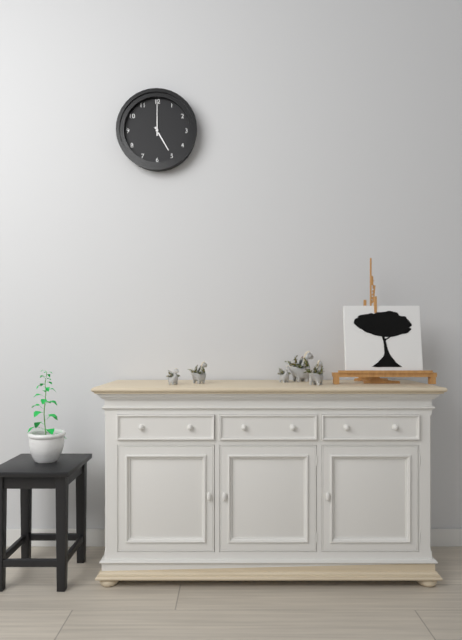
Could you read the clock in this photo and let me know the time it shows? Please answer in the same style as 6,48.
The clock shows 5,00
